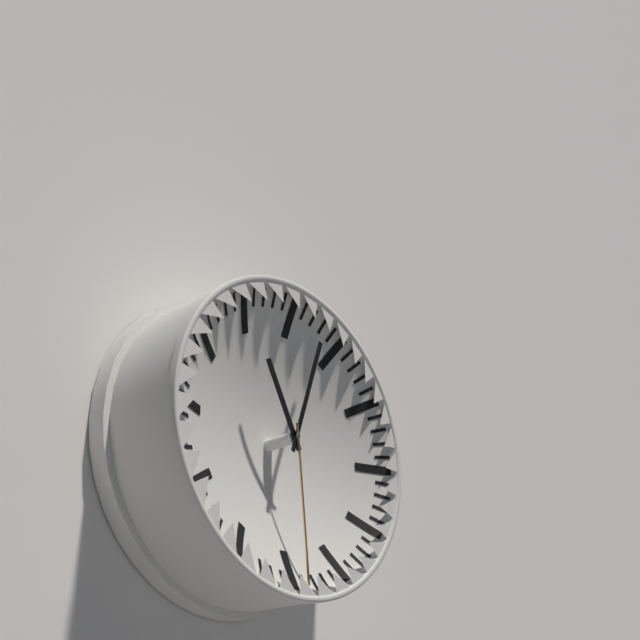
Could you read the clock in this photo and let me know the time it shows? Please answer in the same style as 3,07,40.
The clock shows 11,03,29
